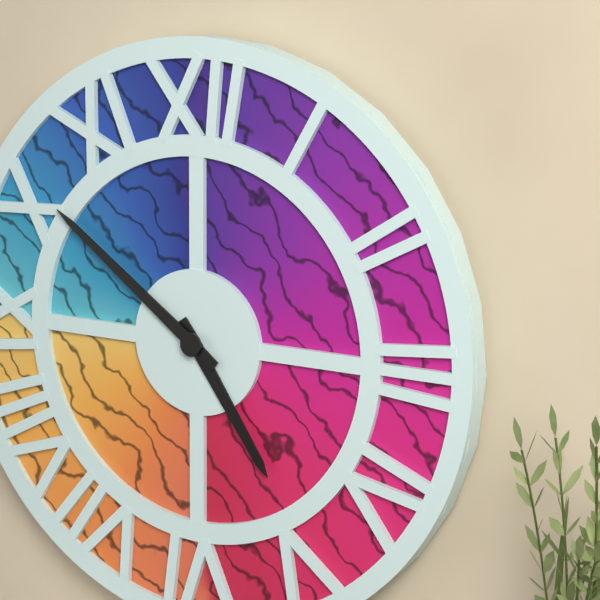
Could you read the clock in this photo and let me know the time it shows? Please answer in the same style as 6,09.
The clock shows 4,51
